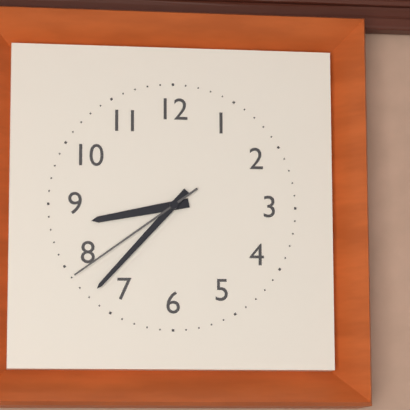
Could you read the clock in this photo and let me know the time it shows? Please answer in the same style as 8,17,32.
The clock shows 8,37,39
